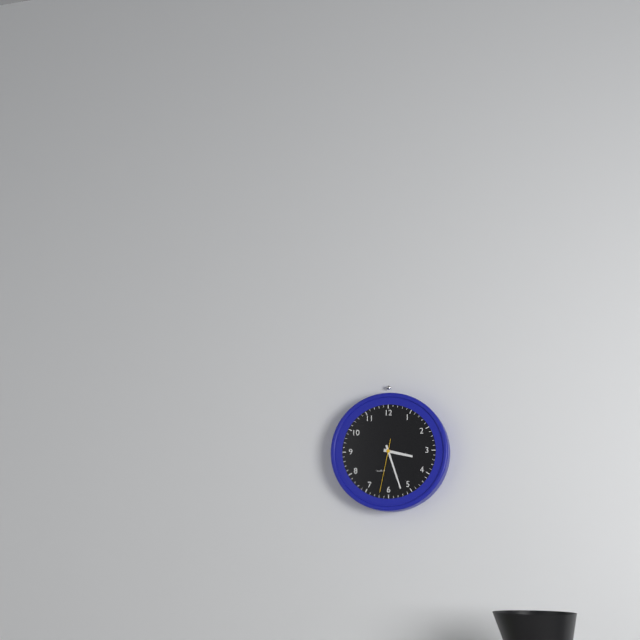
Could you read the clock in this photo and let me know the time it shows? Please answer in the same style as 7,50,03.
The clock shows 3,27,32
